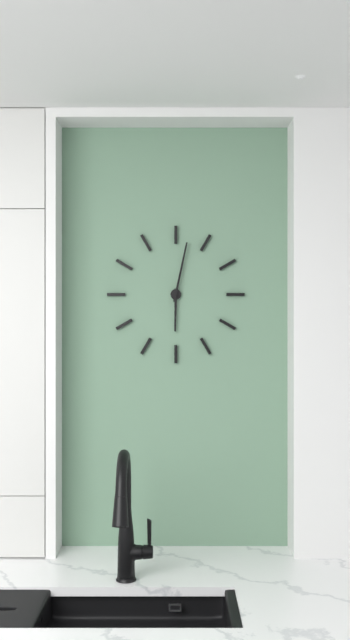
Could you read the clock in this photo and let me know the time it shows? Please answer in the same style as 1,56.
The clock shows 6,02
